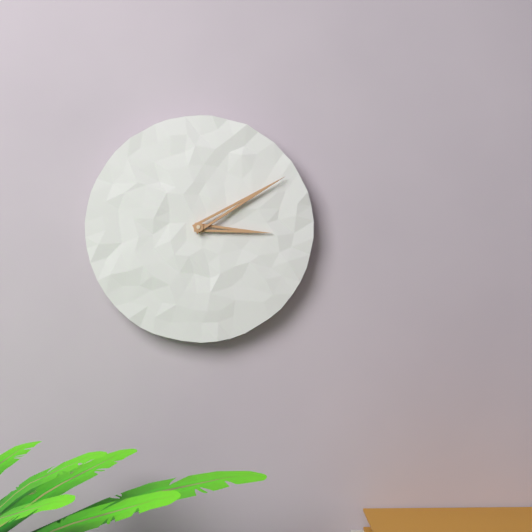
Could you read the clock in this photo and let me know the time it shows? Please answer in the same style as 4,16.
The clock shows 3,10
